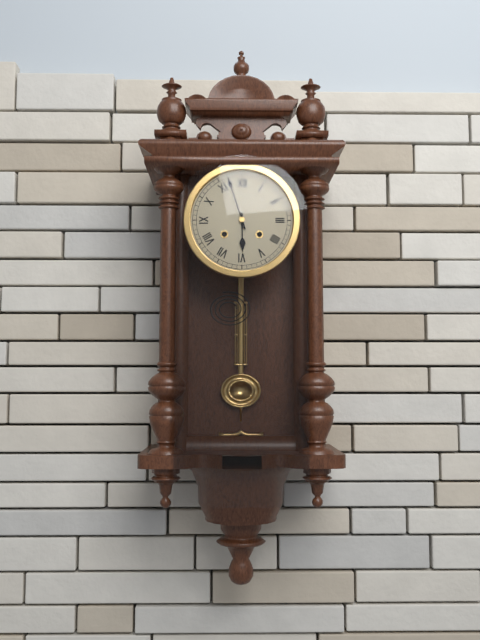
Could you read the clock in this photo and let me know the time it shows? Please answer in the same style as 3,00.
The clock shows 5,57
